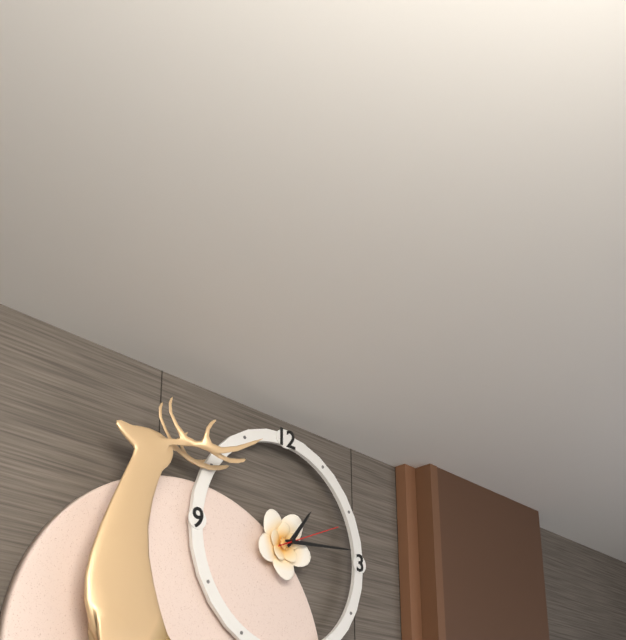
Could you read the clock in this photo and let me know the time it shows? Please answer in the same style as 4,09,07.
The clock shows 1,14,11
